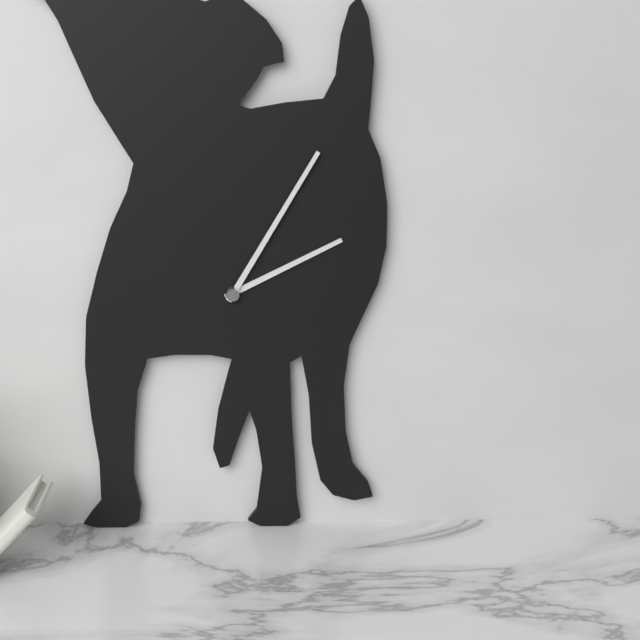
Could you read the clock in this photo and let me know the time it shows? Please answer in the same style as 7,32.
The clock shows 2,05
